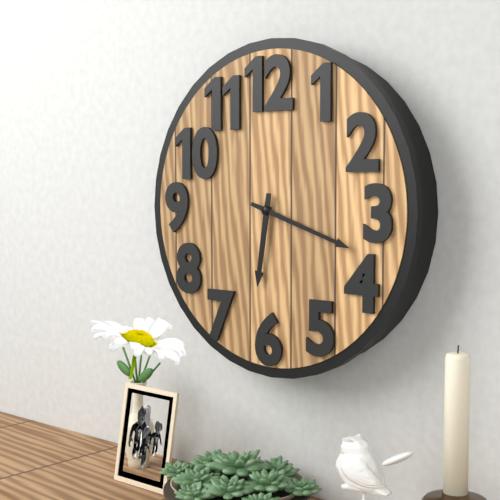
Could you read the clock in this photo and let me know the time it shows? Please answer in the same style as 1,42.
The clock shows 6,18
